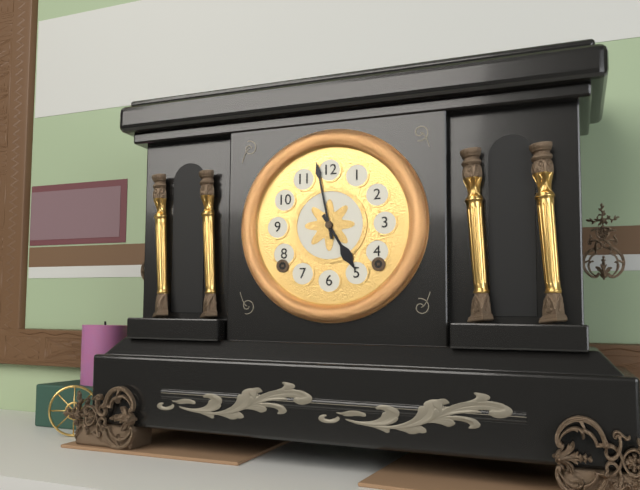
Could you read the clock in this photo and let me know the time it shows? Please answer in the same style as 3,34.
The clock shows 4,58
